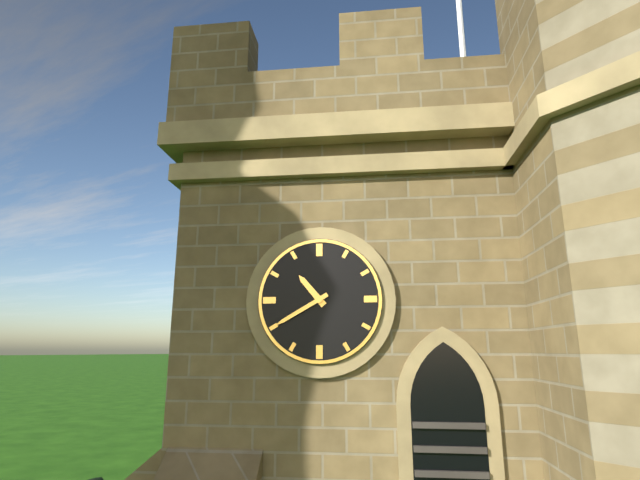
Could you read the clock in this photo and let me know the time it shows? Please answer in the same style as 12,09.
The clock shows 10,40
